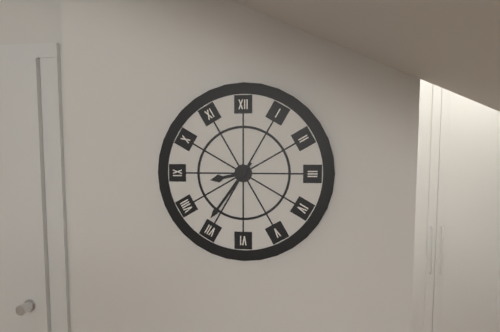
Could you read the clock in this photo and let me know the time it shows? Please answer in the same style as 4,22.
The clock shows 8,36
